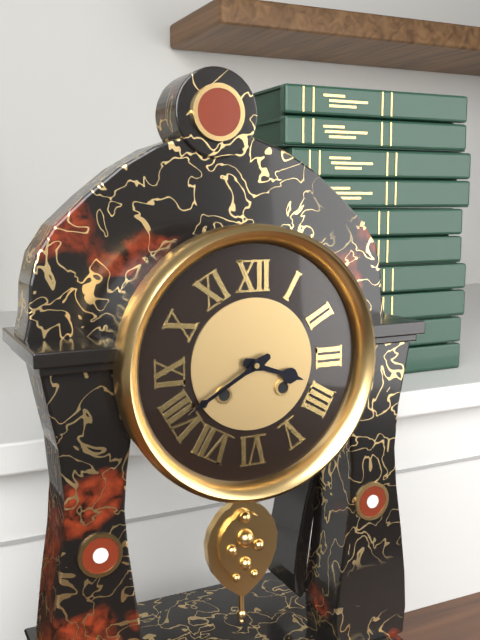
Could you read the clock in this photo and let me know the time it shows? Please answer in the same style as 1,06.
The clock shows 3,40
